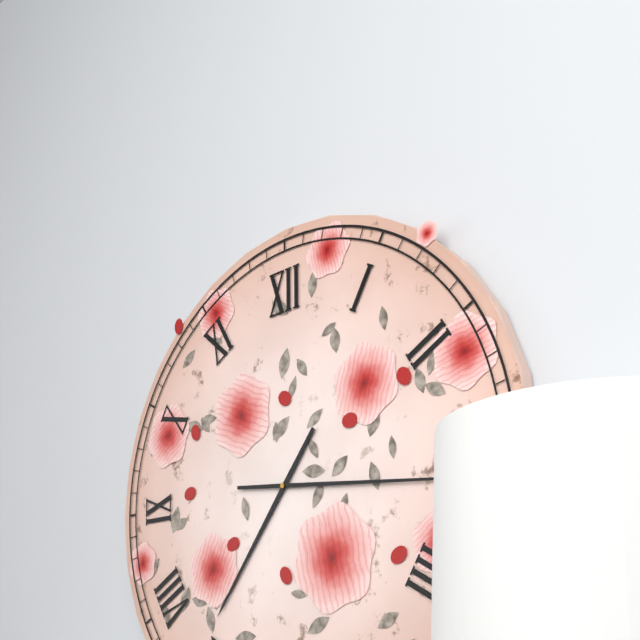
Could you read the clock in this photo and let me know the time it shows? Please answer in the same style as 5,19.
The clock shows 7,16
